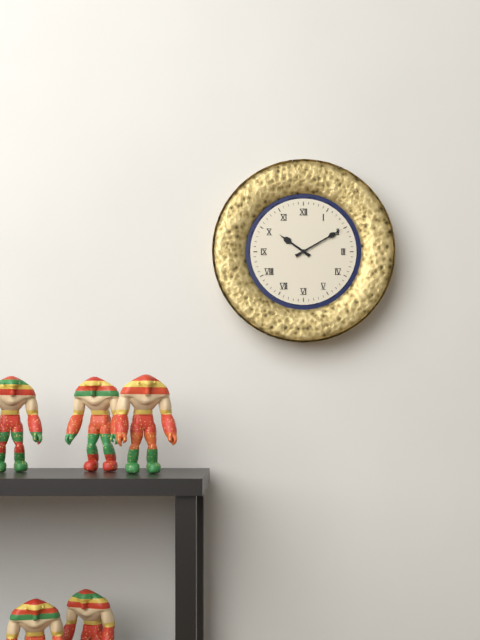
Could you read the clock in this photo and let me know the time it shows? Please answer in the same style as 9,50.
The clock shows 10,10
